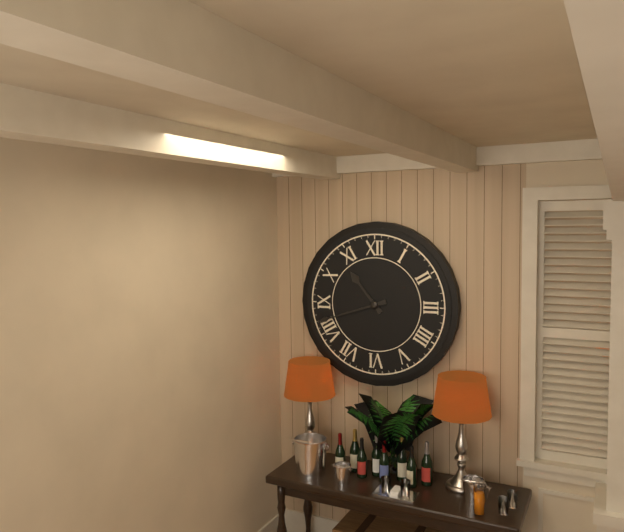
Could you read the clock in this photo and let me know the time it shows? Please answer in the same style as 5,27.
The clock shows 10,42
